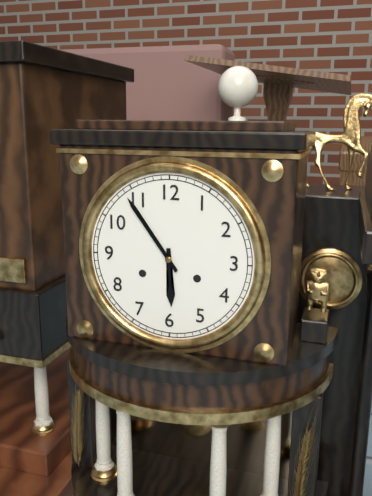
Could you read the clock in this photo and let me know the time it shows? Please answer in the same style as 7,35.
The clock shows 5,54
